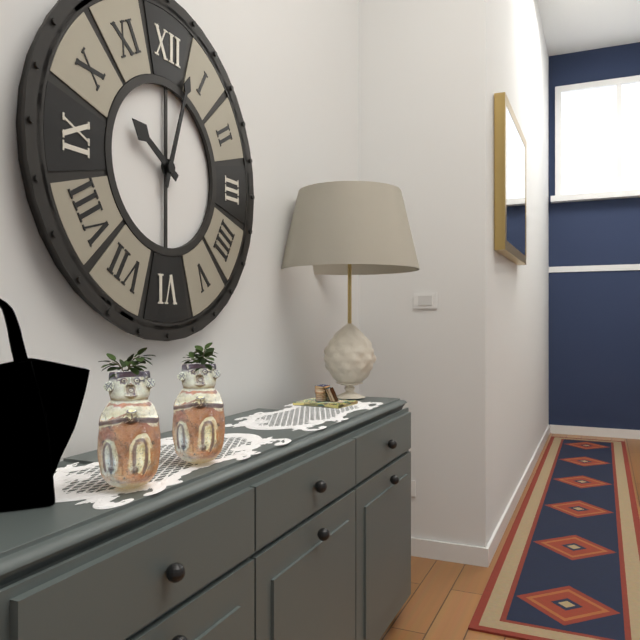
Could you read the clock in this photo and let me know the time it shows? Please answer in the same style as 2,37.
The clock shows 10,03
